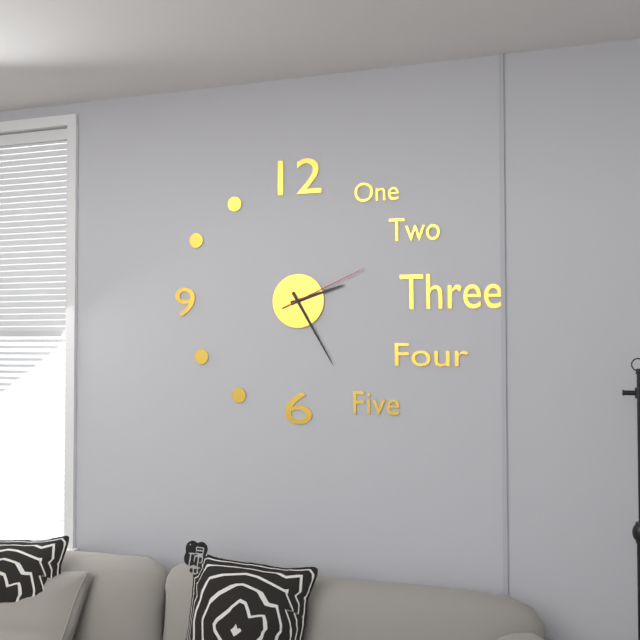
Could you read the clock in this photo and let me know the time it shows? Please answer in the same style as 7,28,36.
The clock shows 2,25,11
